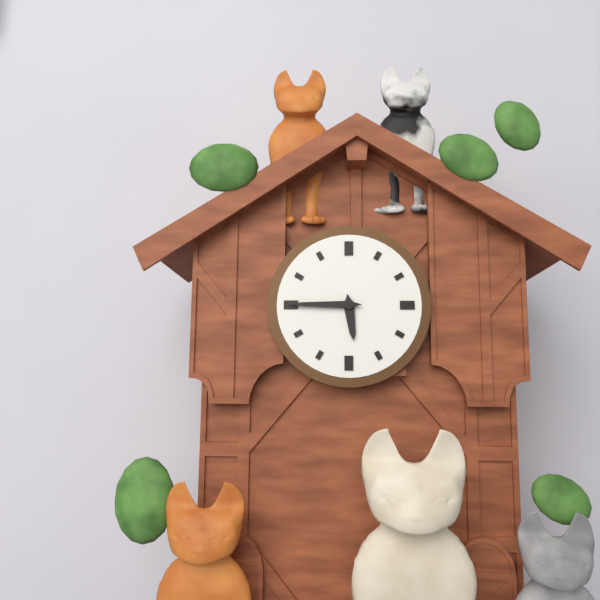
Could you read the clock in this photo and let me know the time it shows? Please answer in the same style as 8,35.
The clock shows 5,45
